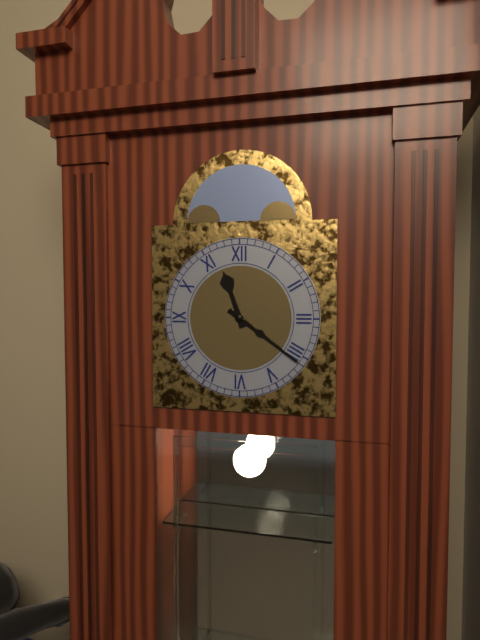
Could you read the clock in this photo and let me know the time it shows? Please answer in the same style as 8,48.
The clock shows 11,21
